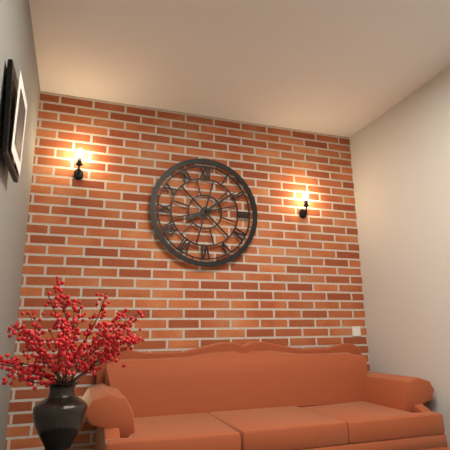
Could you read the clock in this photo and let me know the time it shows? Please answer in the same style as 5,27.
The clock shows 8,09
